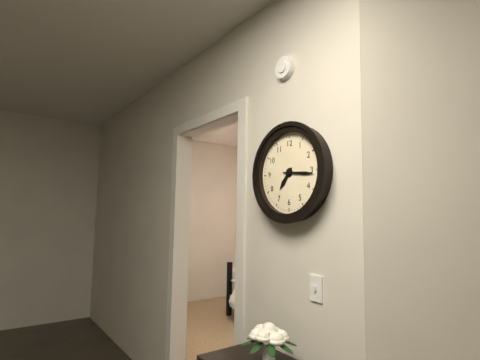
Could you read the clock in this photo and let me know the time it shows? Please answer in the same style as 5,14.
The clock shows 7,16
